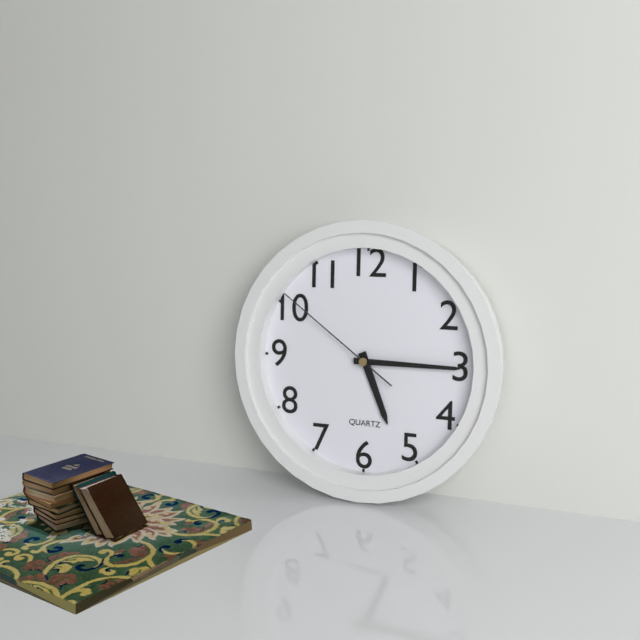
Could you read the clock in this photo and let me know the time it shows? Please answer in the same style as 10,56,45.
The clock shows 5,15,51
